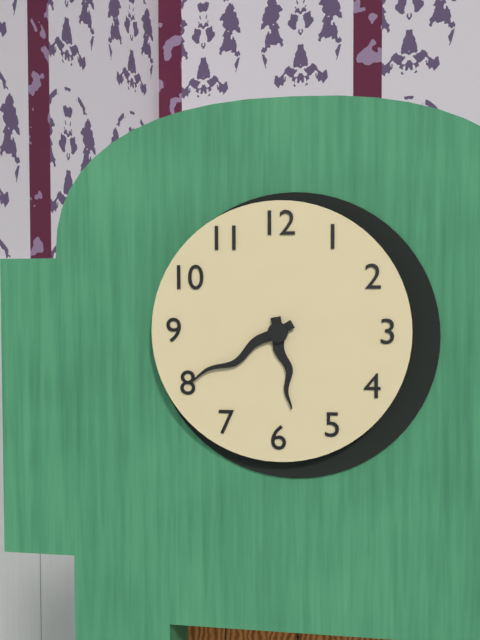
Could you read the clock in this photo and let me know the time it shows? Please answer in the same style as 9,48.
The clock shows 5,40
